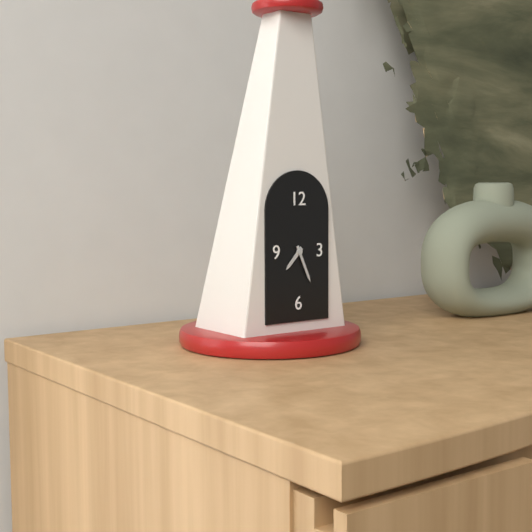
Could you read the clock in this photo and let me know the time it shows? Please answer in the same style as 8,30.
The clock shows 7,26
